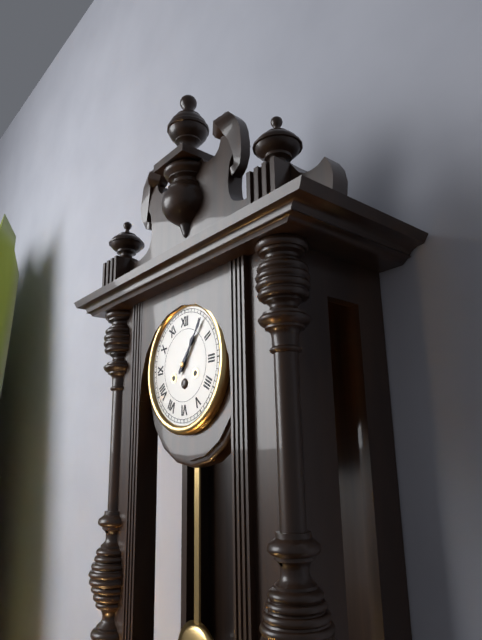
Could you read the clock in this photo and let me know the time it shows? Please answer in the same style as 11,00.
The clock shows 1,06
